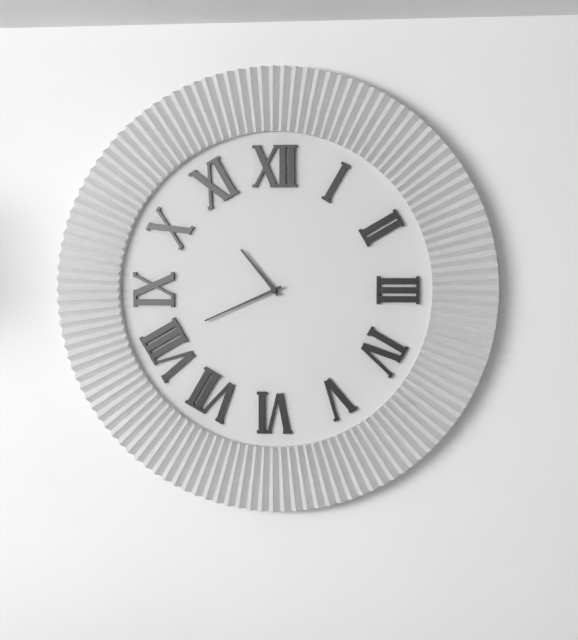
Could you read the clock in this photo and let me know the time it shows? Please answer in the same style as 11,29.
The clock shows 10,41
